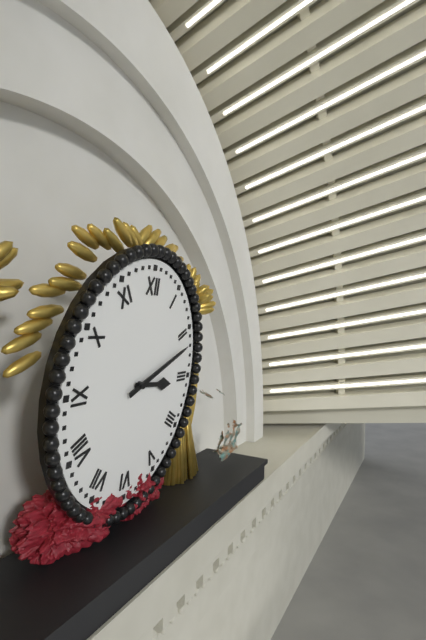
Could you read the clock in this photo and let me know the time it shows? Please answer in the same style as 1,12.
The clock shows 3,11
